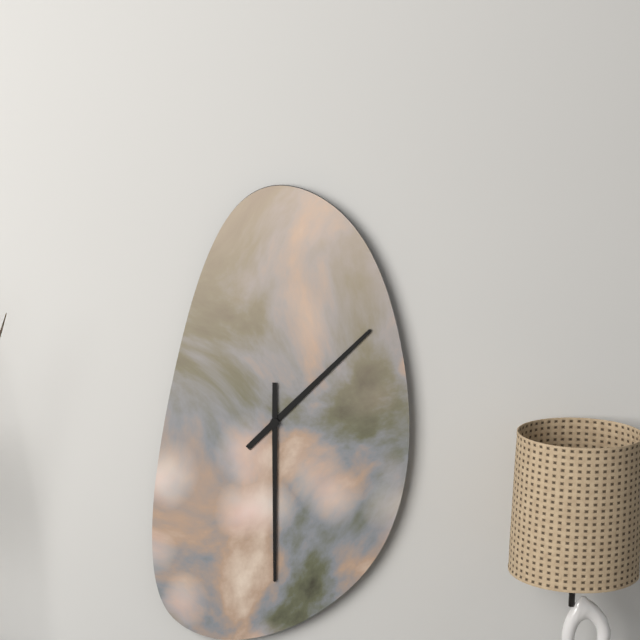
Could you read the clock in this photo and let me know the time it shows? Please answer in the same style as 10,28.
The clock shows 1,30
